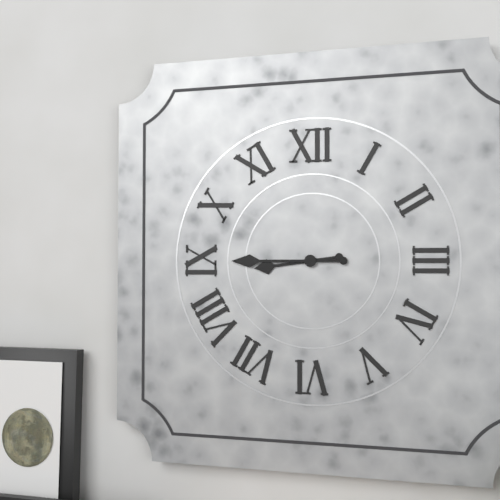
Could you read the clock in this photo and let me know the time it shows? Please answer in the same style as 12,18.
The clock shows 8,45
